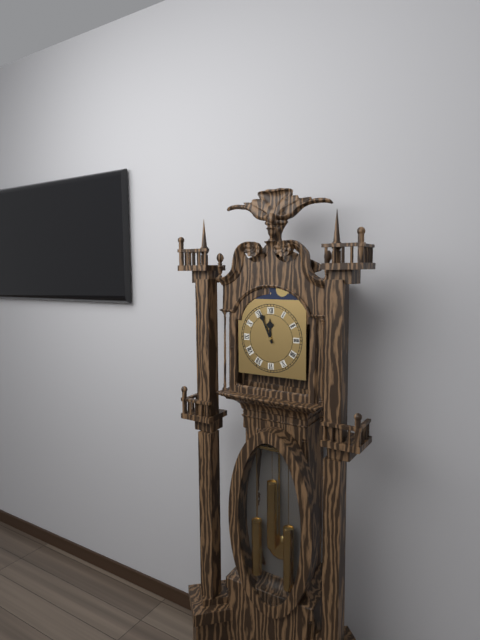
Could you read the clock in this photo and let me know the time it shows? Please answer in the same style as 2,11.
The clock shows 11,56
